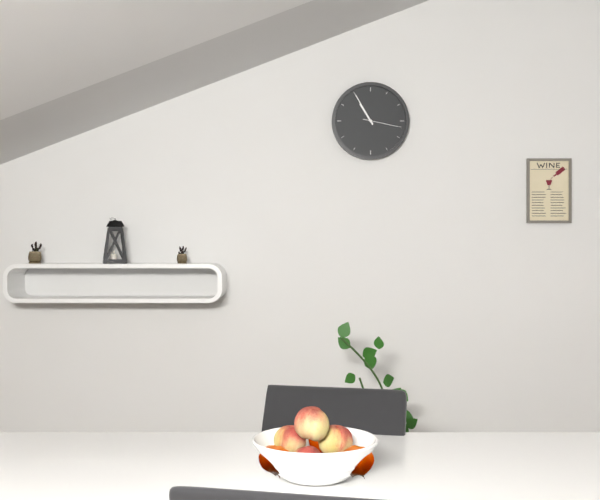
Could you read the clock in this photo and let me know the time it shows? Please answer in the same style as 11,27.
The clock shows 10,55
